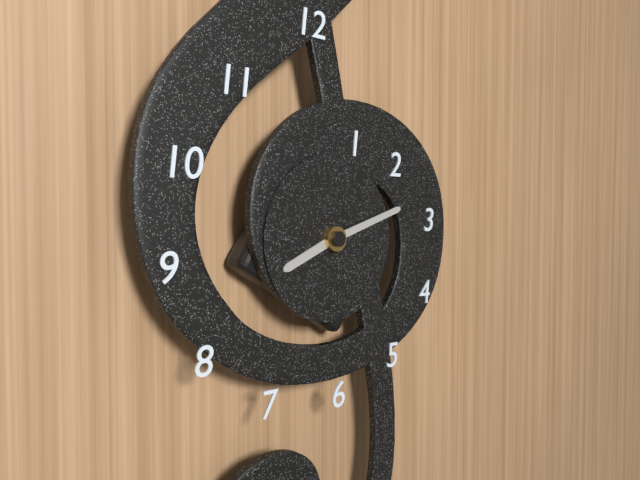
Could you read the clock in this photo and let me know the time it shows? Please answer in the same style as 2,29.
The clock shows 8,12
